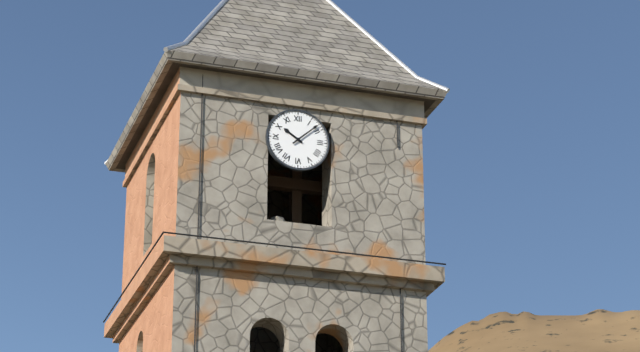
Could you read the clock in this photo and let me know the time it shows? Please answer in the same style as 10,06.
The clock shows 10,08
